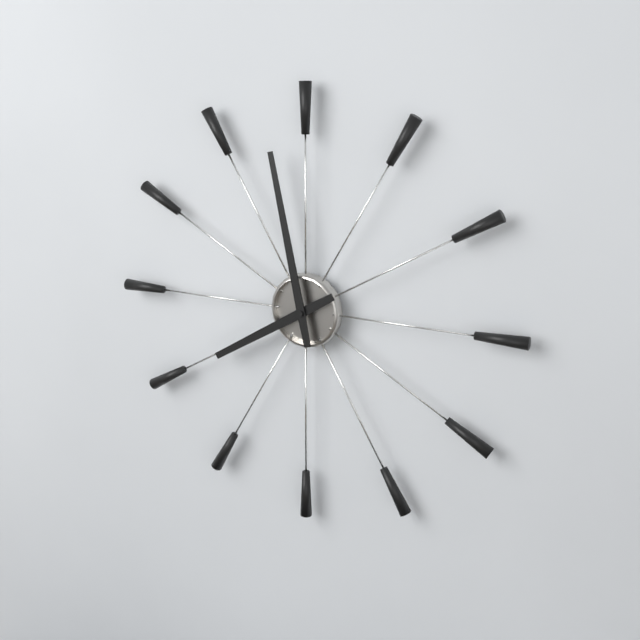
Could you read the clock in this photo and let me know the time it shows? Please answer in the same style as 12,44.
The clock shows 7,58
